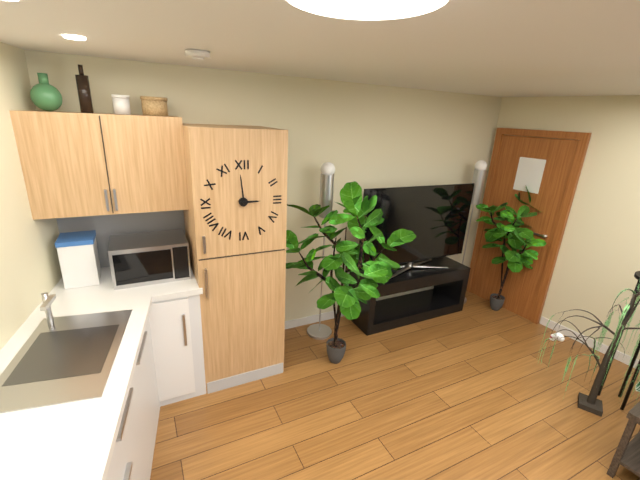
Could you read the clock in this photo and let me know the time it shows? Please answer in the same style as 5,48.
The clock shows 2,59
